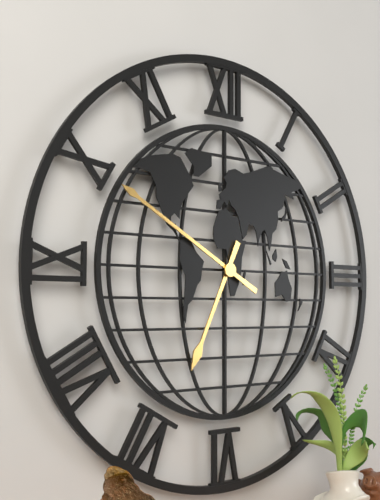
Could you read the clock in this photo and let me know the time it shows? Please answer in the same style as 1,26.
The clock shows 6,50
